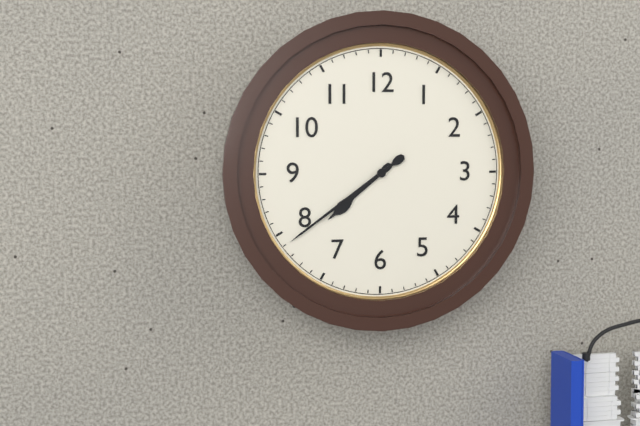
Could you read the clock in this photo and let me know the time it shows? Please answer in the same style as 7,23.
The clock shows 7,39
